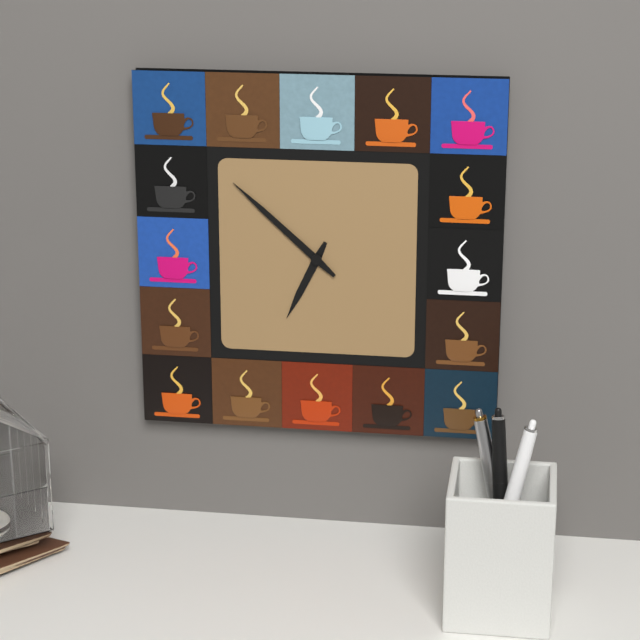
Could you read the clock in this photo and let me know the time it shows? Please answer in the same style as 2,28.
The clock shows 6,52
